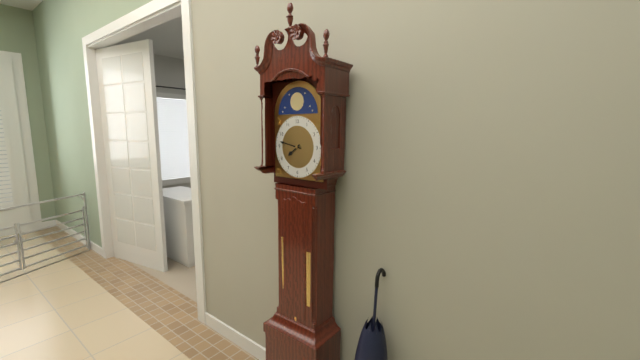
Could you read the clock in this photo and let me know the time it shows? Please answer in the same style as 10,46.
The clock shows 7,47
